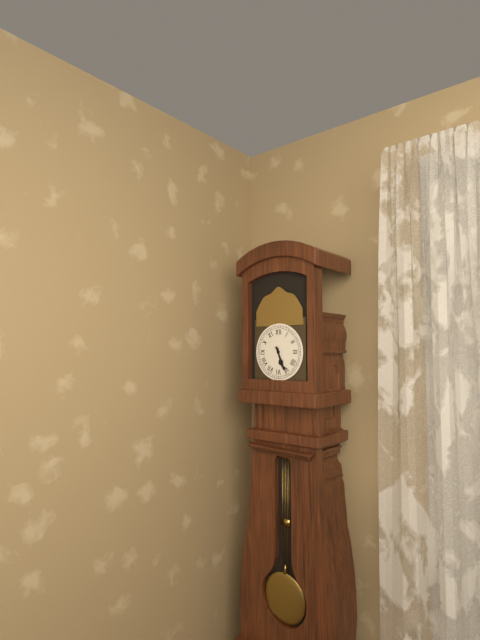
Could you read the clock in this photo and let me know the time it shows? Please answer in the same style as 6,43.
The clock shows 5,26
